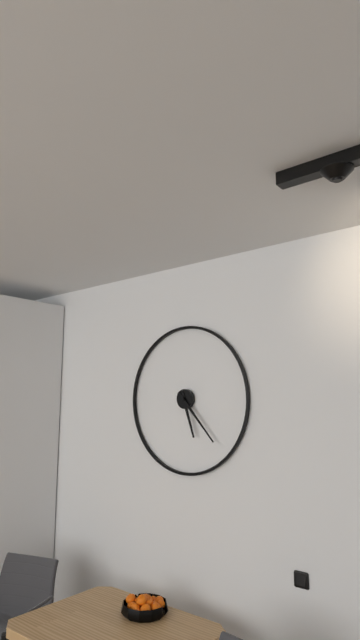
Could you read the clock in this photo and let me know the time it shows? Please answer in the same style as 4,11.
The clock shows 5,23
